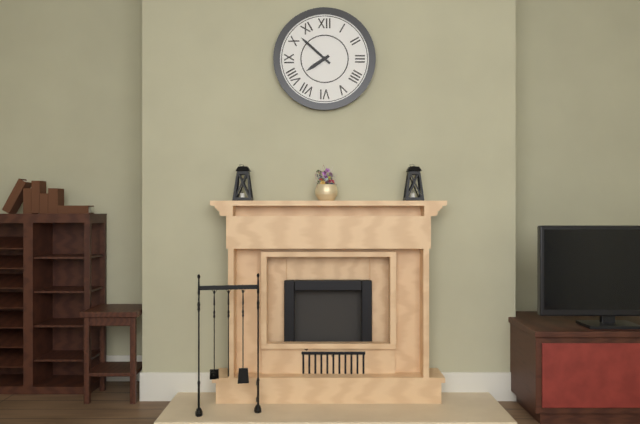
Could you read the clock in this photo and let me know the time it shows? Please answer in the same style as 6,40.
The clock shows 7,52
